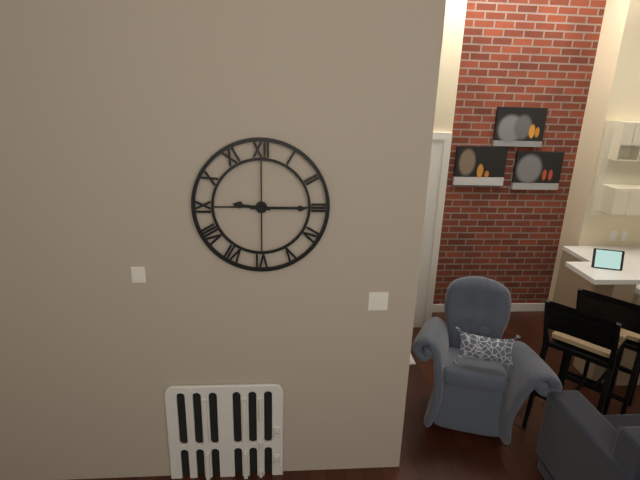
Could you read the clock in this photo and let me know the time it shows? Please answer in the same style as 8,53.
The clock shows 9,15
